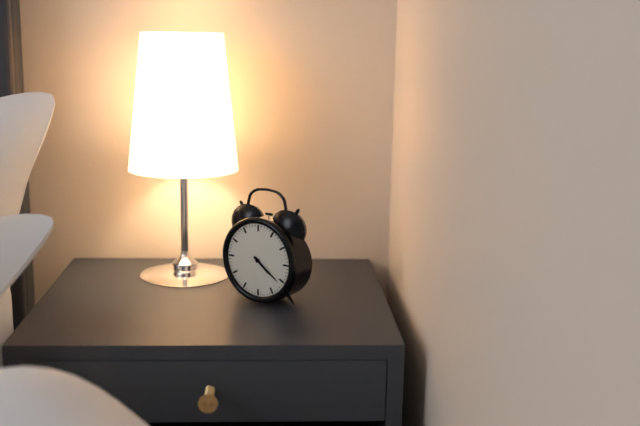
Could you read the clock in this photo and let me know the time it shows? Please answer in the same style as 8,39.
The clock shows 4,21
